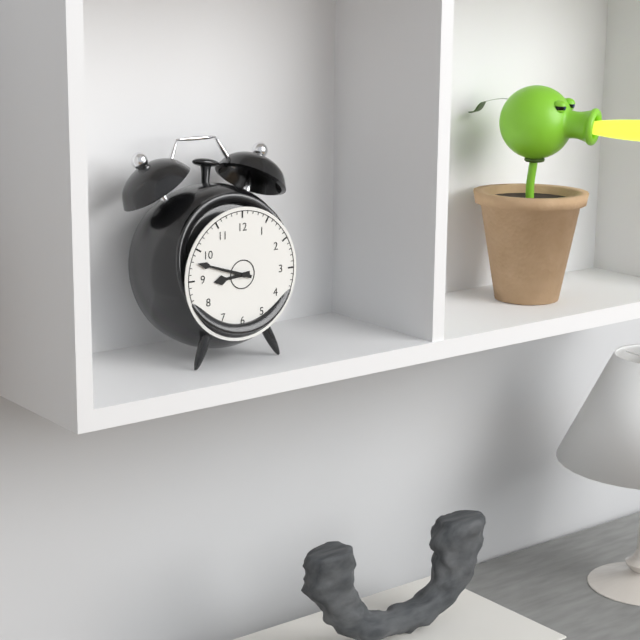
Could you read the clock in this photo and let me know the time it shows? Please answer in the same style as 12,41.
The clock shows 8,48
